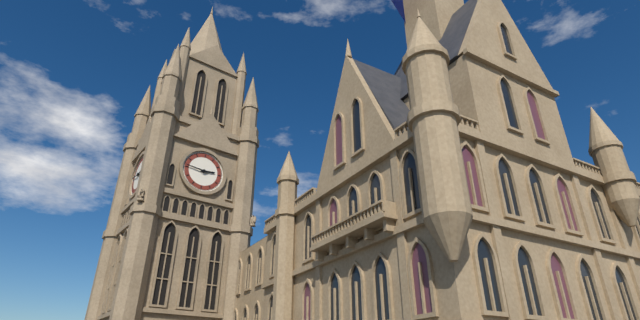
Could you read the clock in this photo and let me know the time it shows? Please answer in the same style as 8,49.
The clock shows 2,46
